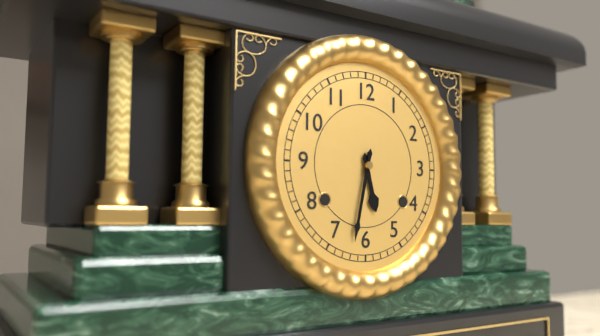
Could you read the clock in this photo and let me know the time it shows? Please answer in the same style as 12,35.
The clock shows 5,32
